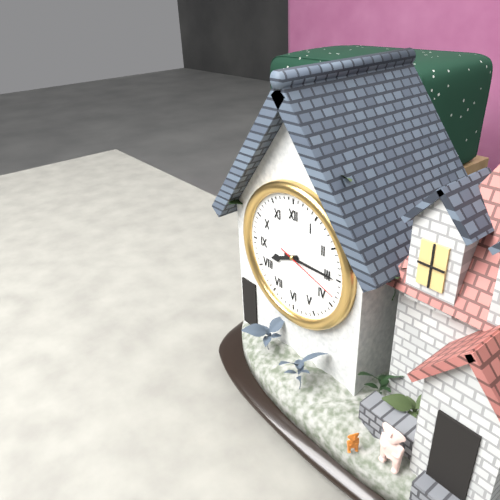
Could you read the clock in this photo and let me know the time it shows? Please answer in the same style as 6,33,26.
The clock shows 8,15,18
